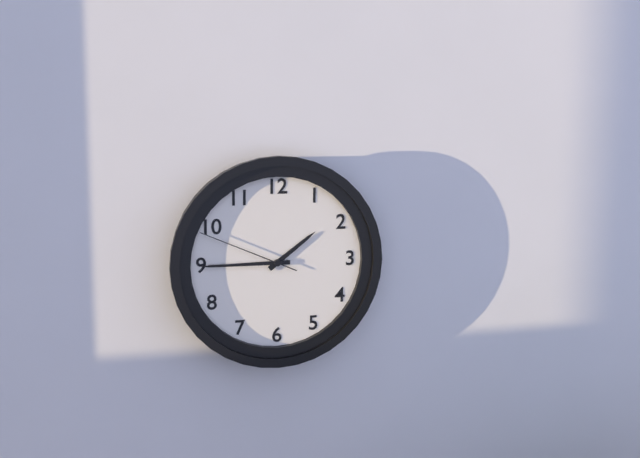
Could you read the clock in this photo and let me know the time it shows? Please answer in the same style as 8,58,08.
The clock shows 1,45,49
